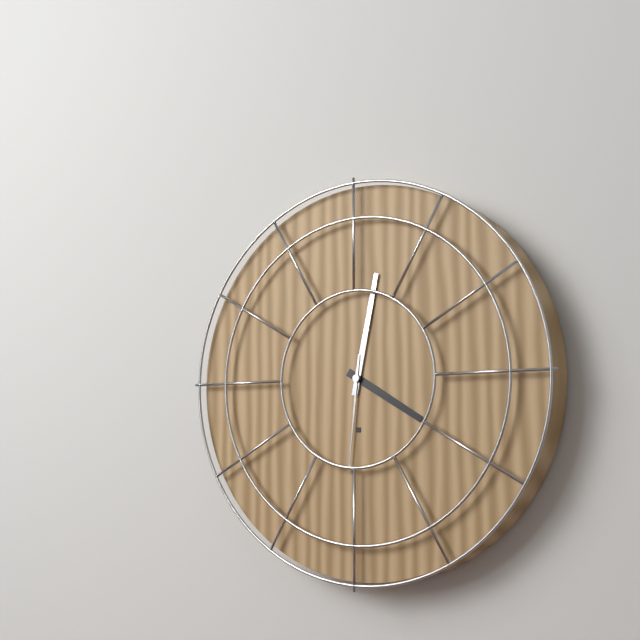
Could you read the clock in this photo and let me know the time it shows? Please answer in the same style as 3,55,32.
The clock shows 4,02,31
